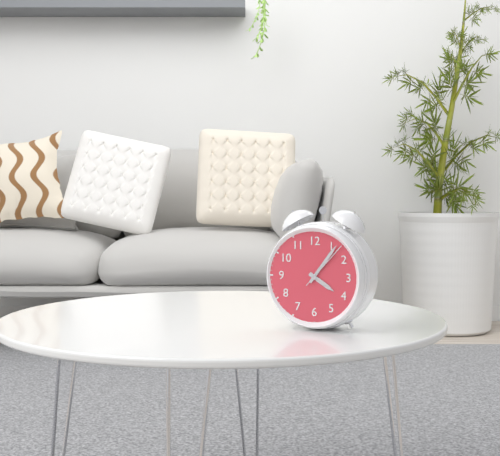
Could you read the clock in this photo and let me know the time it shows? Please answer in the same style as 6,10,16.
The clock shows 4,06,07
